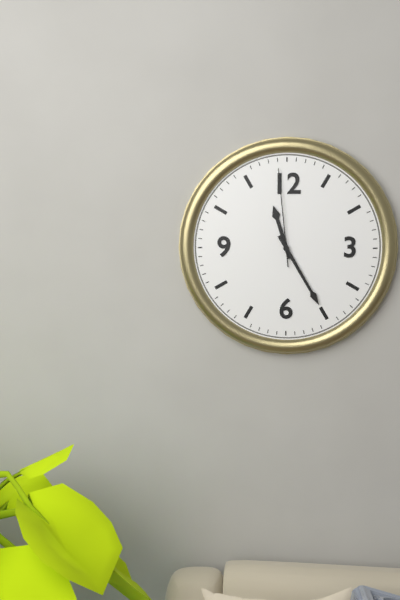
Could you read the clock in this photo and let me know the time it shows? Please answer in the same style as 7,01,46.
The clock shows 11,25,59
